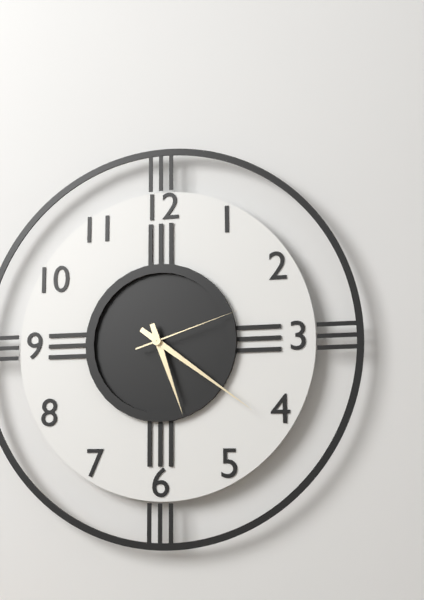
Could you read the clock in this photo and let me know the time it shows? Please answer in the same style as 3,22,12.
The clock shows 5,21,12
